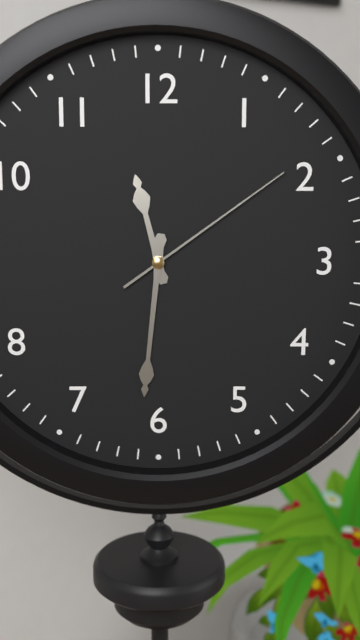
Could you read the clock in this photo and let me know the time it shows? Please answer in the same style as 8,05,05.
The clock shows 11,31,09
